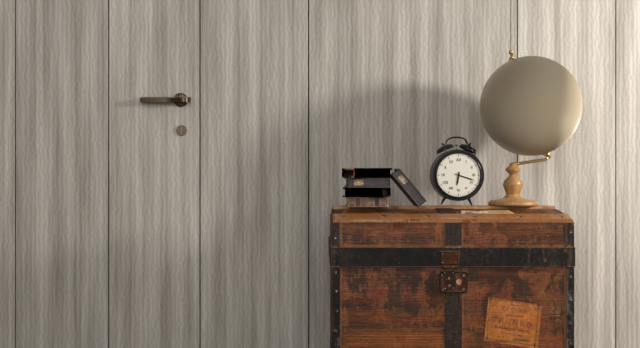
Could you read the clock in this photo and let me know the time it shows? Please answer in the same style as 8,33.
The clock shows 6,18
